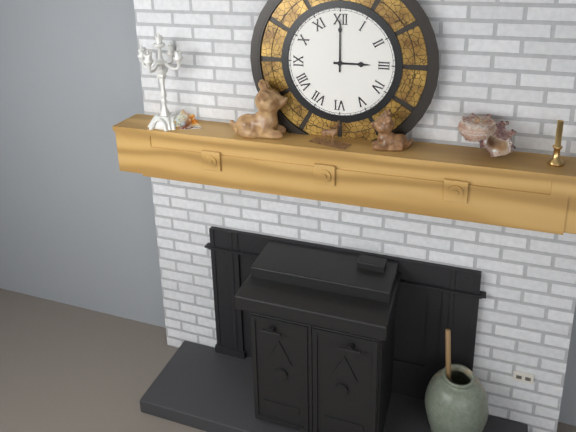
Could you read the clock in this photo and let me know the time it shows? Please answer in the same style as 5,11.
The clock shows 3,00
